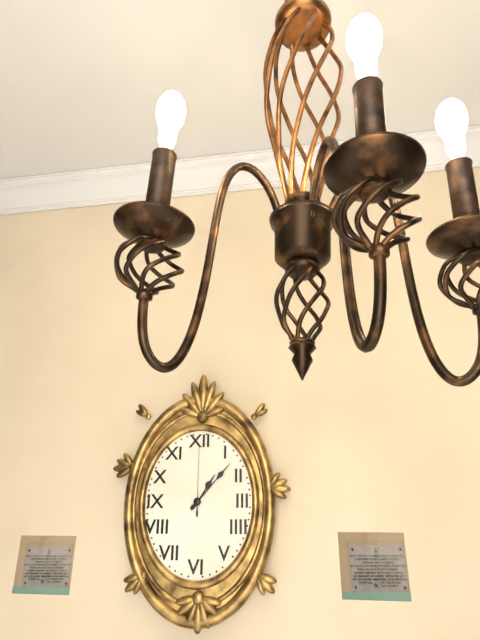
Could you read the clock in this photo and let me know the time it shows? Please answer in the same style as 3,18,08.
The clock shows 1,07,00
